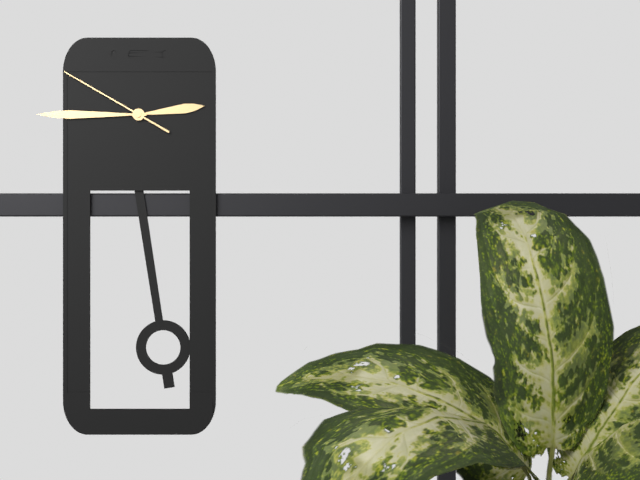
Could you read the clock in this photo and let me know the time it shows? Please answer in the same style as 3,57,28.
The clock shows 2,45,50
